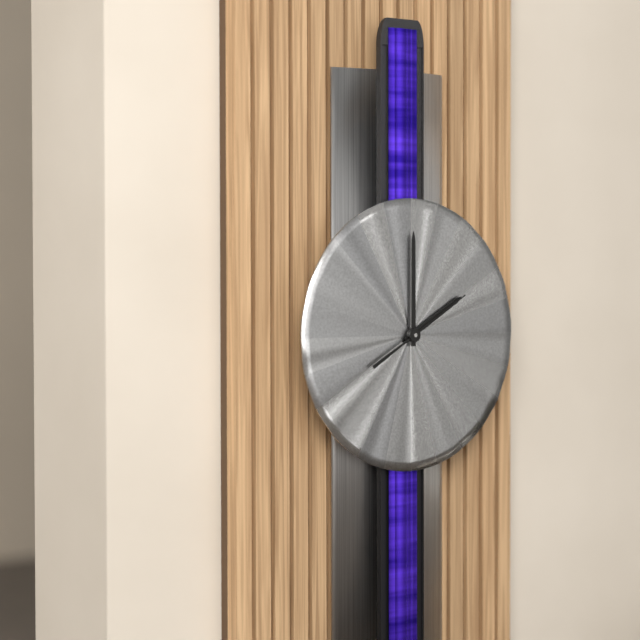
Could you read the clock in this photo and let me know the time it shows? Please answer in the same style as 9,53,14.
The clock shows 2,00,10
